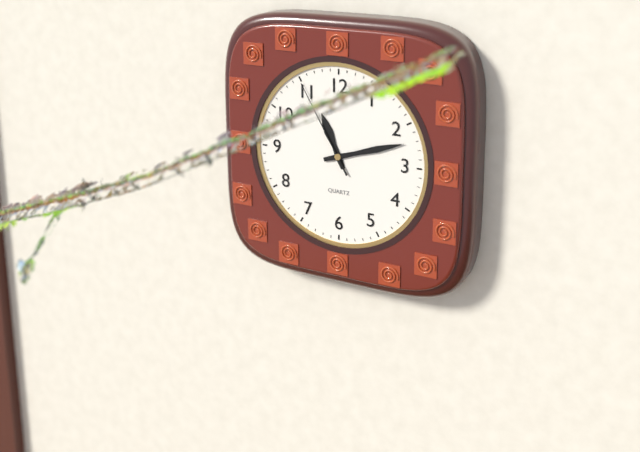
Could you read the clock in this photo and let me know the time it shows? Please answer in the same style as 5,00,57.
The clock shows 11,12,55
